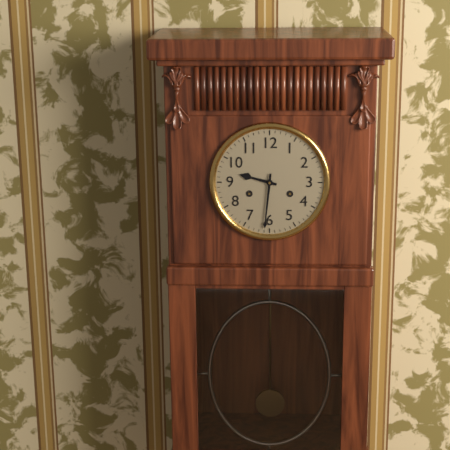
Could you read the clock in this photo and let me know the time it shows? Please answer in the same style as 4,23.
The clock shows 9,31
